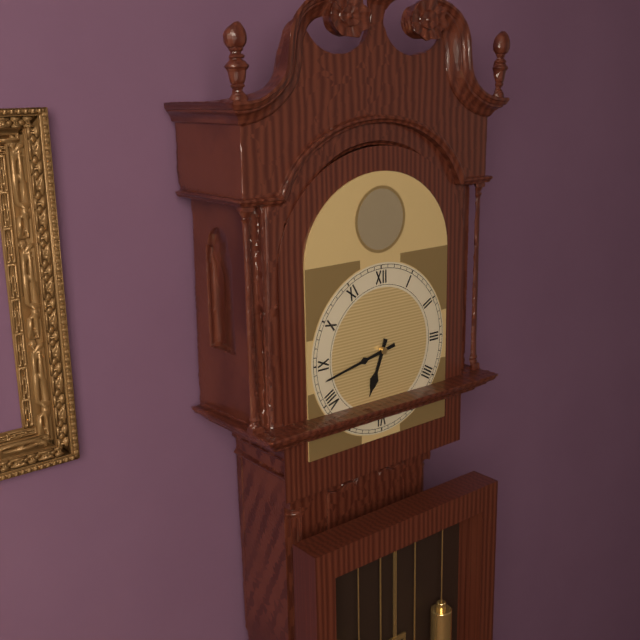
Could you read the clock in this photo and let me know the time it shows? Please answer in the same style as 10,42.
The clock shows 6,43
